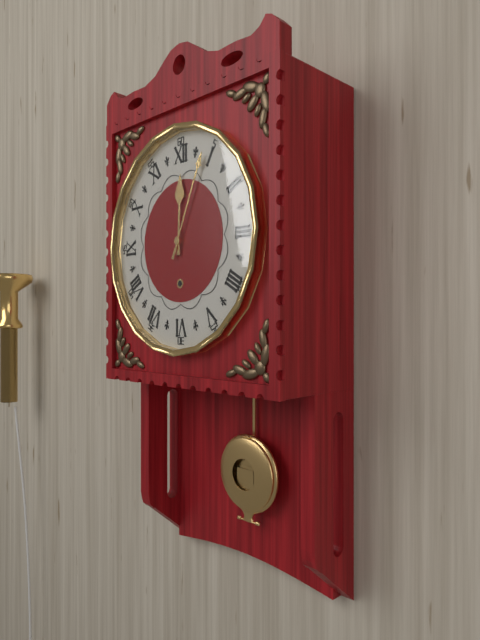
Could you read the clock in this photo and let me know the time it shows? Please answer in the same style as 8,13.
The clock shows 12,04
